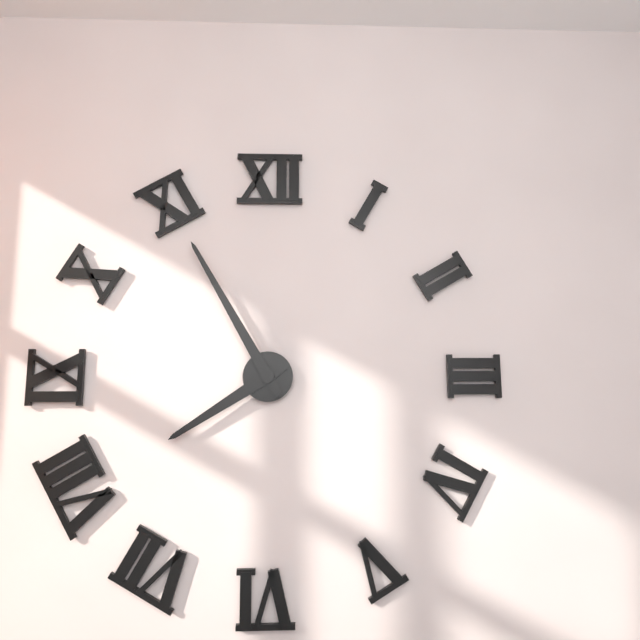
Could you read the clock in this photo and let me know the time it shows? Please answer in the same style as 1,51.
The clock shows 7,55
